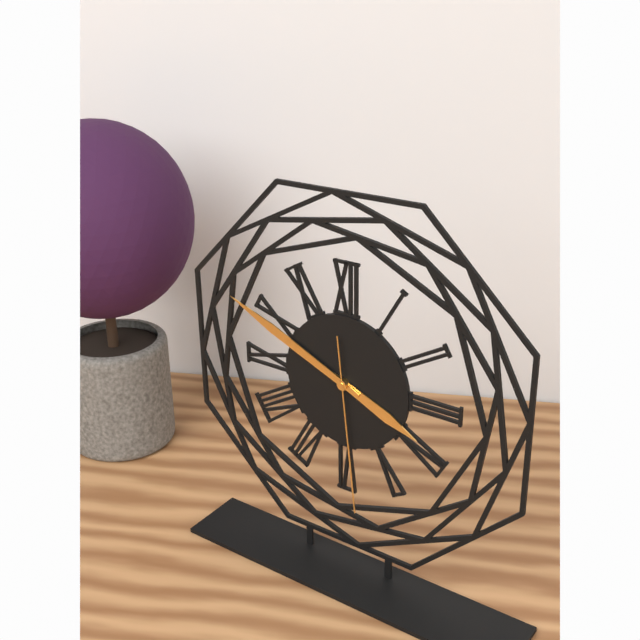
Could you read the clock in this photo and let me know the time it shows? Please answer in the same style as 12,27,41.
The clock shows 3,49,29
